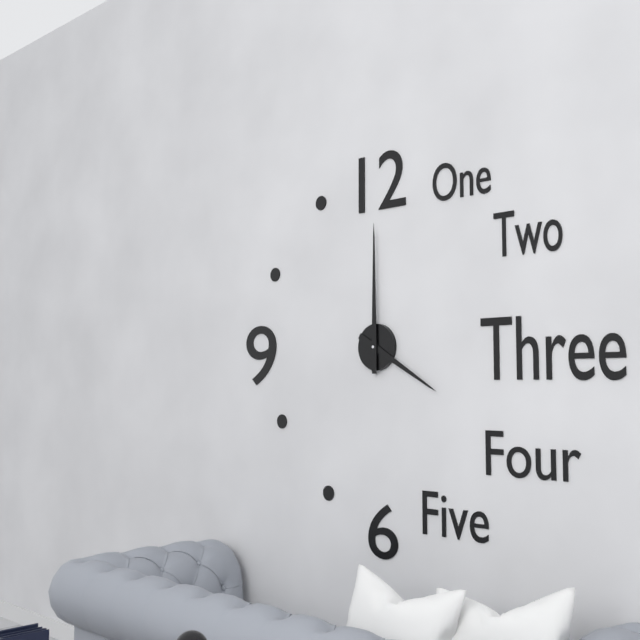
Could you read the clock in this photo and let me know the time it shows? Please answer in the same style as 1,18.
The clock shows 4,00
